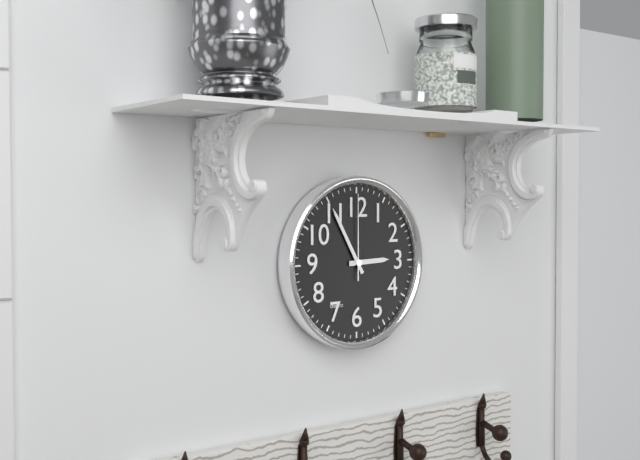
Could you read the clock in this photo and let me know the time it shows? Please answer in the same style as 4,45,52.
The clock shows 2,55,00
